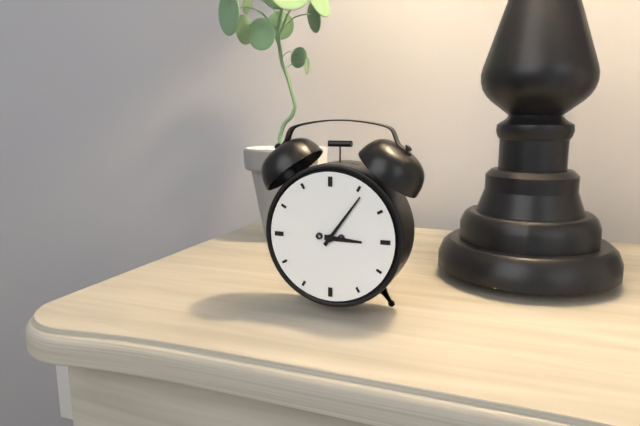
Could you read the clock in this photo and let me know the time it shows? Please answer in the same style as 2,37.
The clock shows 3,06
